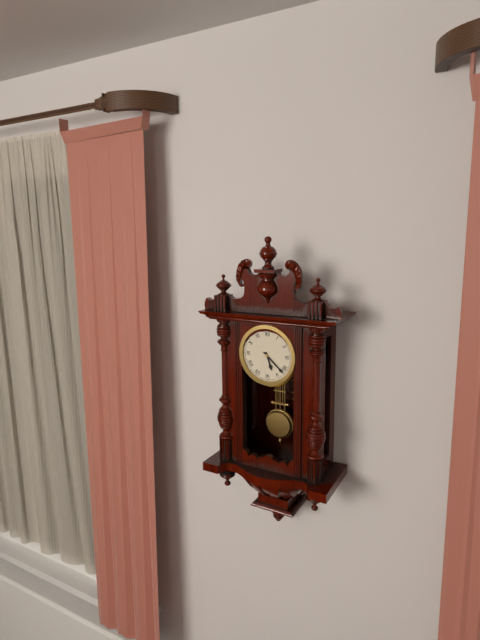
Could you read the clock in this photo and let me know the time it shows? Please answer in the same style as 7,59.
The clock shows 5,22
